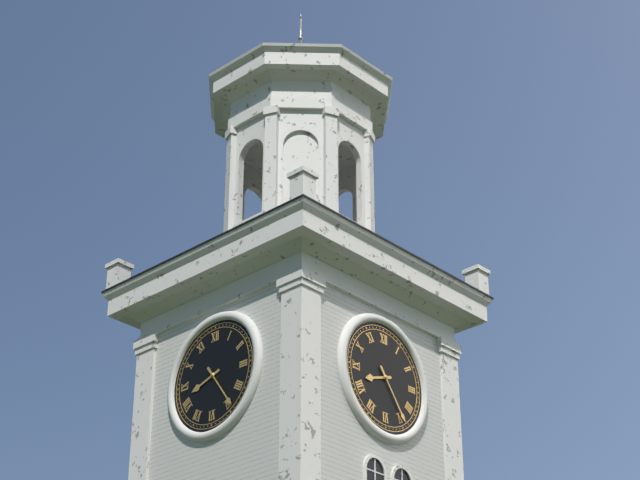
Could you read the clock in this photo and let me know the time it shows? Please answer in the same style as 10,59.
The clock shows 8,24
